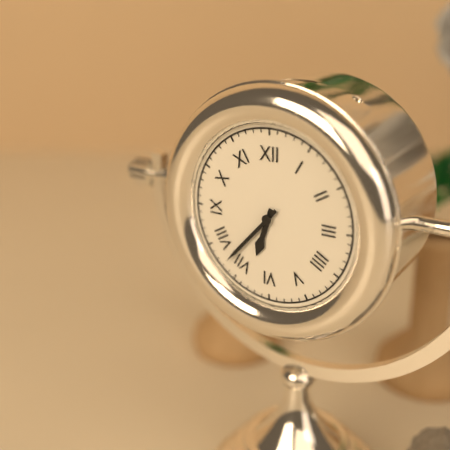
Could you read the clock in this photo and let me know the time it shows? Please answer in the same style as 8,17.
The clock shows 6,37
